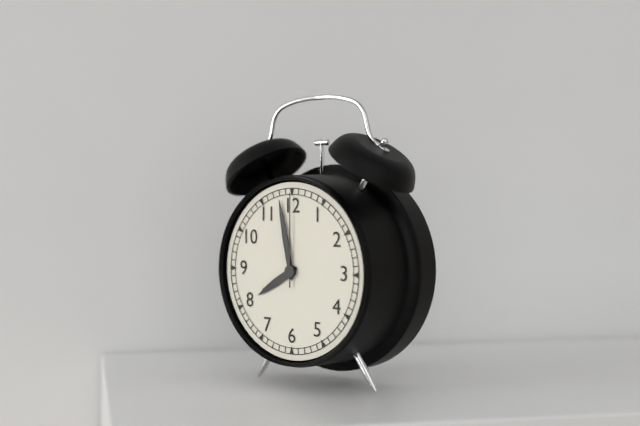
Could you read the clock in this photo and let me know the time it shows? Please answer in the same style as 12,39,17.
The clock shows 7,58,00
